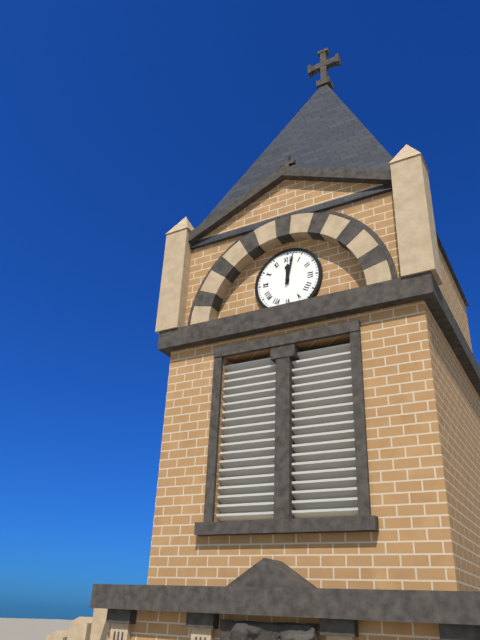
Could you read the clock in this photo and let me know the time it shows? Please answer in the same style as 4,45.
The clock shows 12,02
